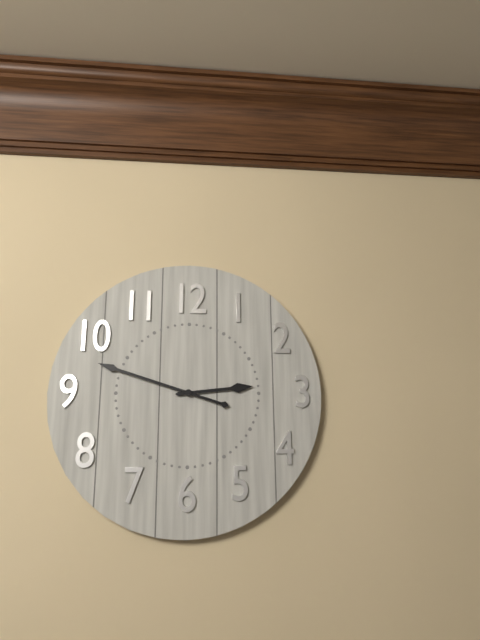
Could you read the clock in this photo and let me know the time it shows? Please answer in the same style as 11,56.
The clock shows 2,48
